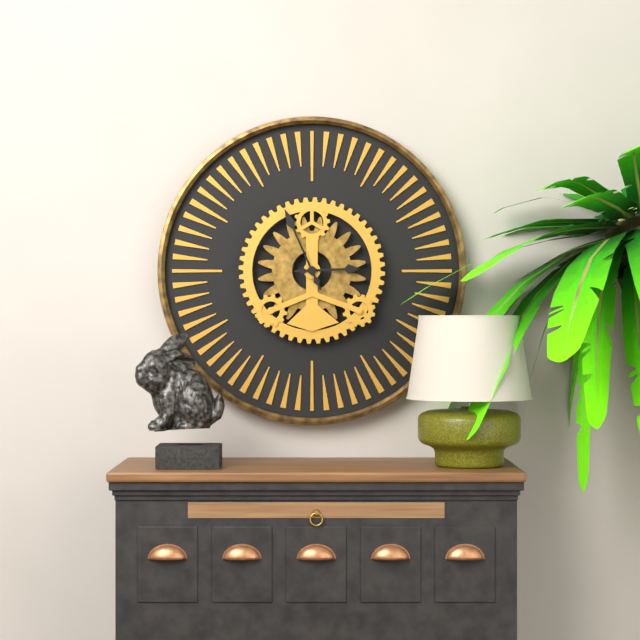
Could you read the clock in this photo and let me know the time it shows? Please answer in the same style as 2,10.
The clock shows 2,56
